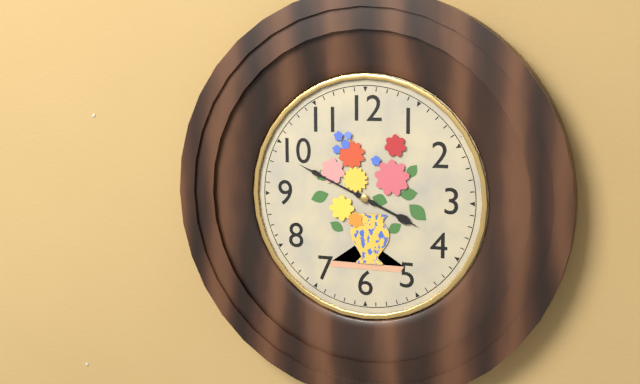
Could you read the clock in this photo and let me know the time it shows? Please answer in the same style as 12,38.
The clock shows 3,49
